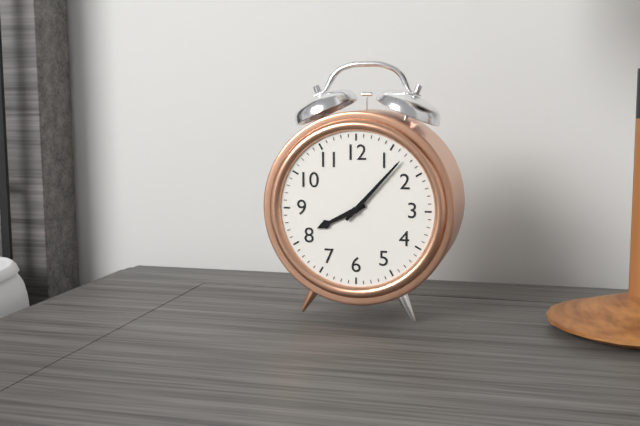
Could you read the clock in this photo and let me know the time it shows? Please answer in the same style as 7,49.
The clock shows 8,07
